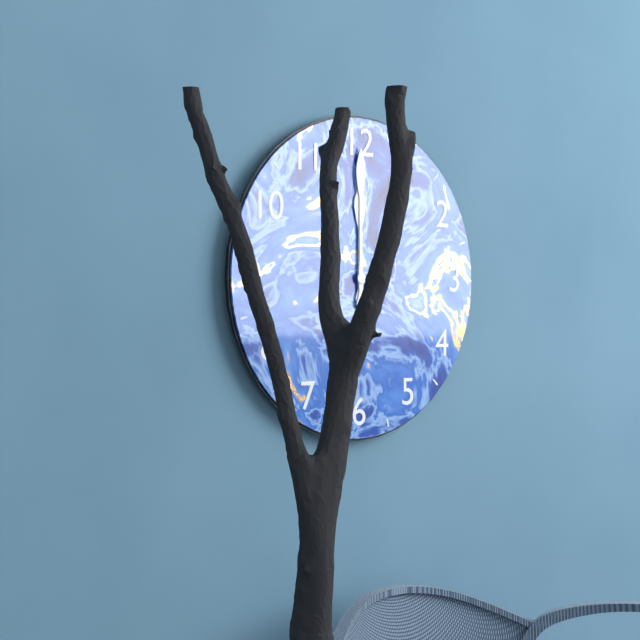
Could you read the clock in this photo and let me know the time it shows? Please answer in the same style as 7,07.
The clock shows 12,00
